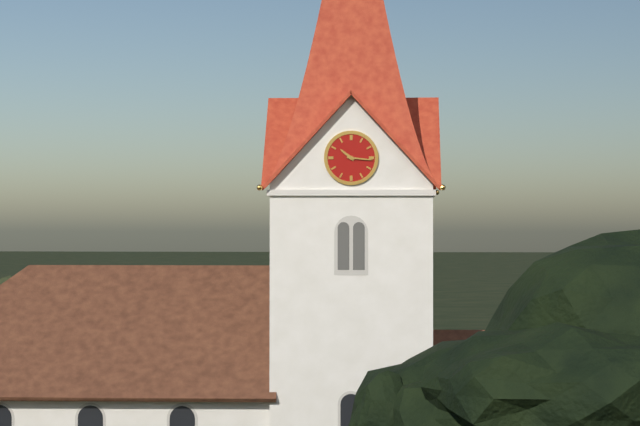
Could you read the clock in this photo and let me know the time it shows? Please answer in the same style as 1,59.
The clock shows 10,16
